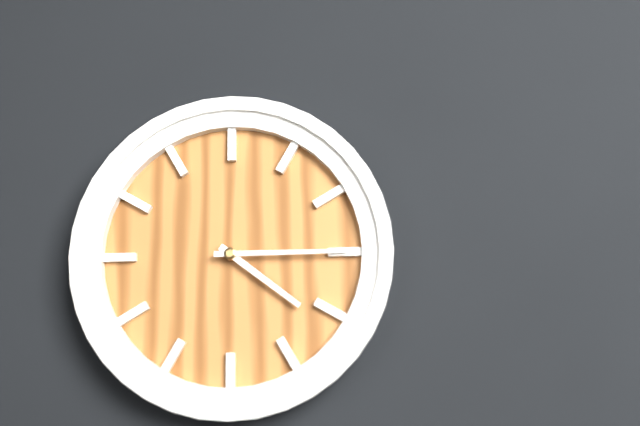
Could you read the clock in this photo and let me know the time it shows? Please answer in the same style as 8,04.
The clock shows 4,15
